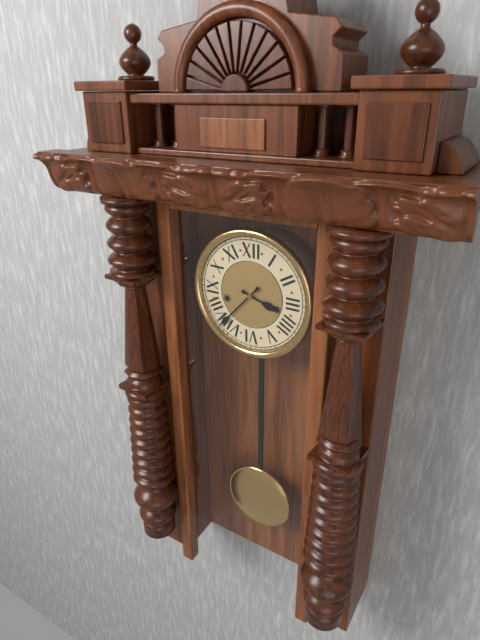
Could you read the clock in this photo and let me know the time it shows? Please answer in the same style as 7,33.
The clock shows 3,37
